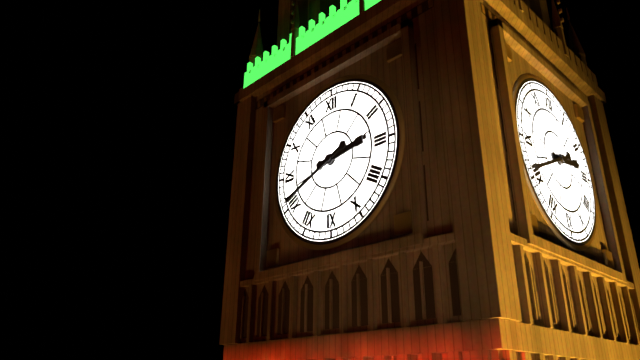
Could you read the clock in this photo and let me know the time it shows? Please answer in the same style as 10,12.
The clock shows 2,41
